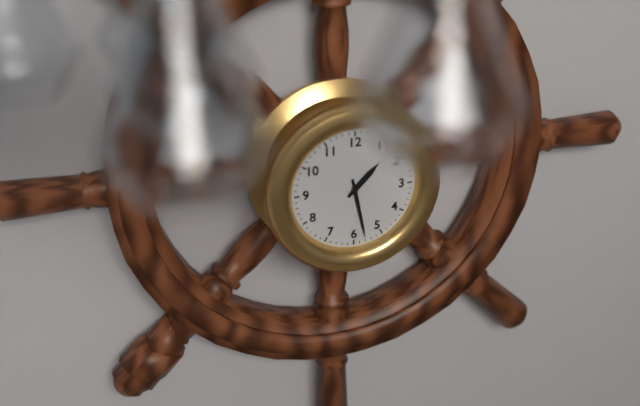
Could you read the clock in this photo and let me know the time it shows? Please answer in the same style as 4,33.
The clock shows 1,28
